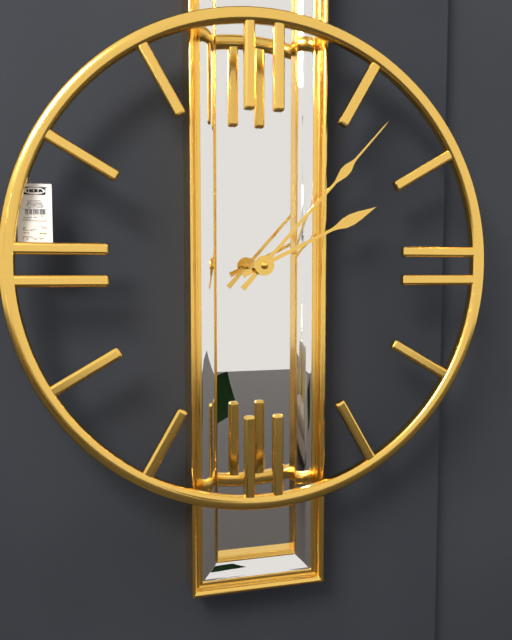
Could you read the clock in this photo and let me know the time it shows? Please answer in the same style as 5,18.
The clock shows 2,07
